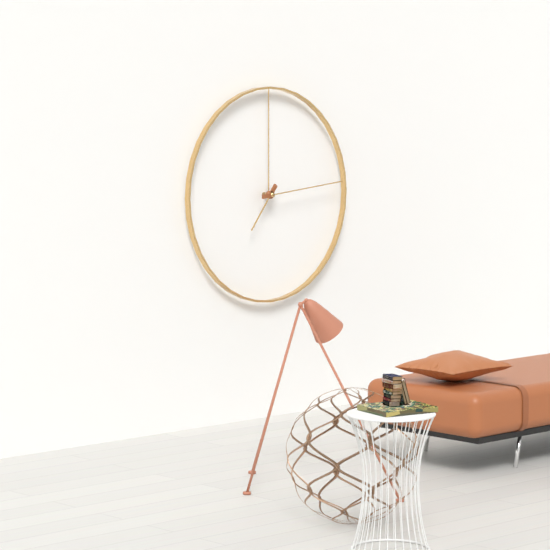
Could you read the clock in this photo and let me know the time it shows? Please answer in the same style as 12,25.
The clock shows 7,14
